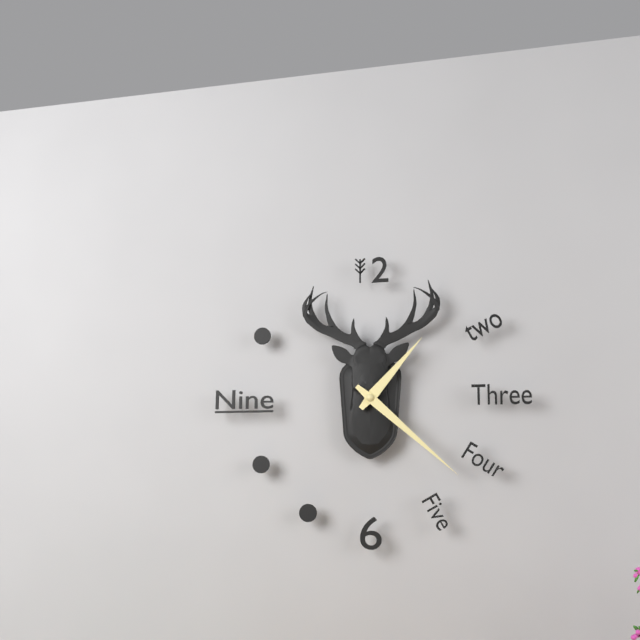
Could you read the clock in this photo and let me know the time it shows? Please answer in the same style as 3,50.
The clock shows 1,22
